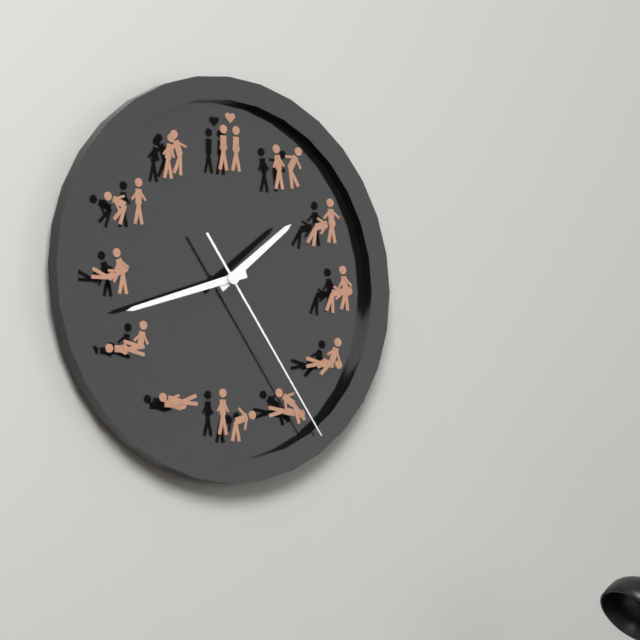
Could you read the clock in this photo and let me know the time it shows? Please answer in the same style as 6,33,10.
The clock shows 1,42,24
